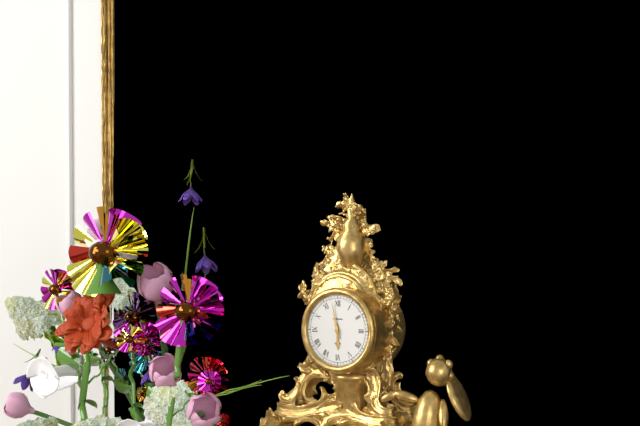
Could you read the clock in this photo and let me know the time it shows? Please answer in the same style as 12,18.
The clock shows 5,58
